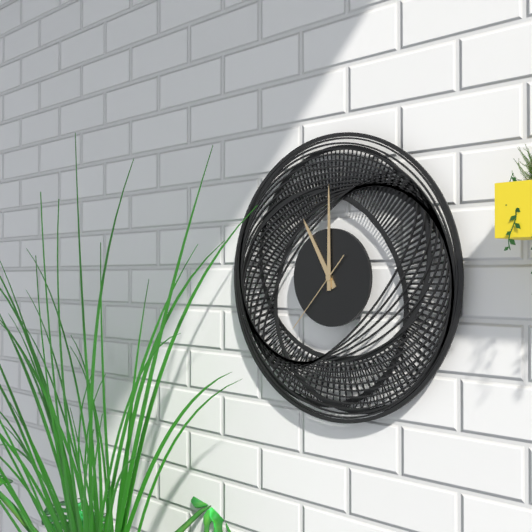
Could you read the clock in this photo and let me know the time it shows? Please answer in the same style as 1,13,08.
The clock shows 11,00,37
